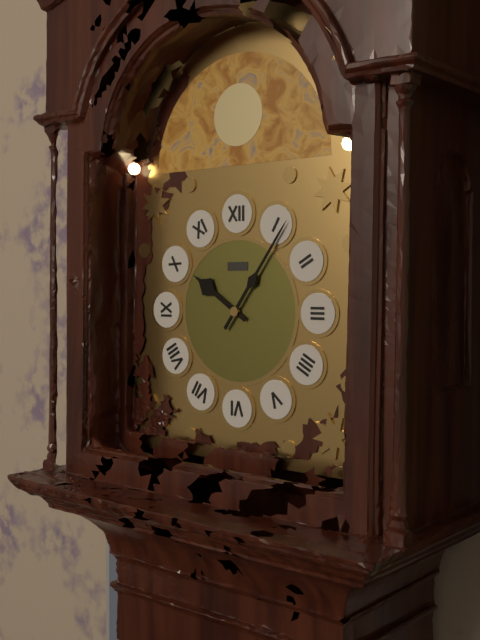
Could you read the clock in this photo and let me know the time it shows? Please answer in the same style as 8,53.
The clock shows 10,06
